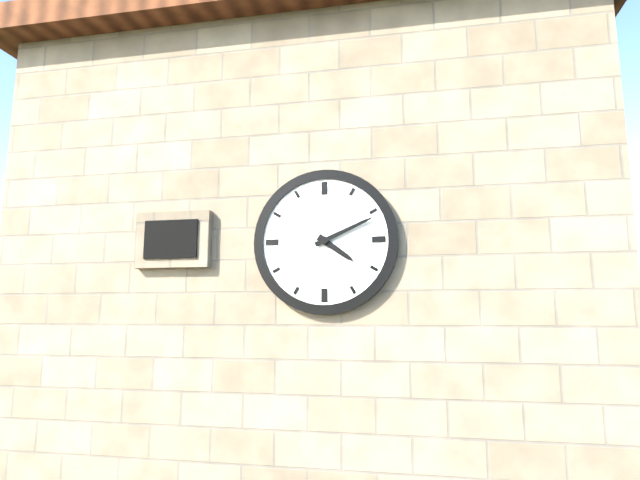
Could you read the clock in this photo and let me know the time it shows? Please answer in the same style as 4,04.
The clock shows 4,11
